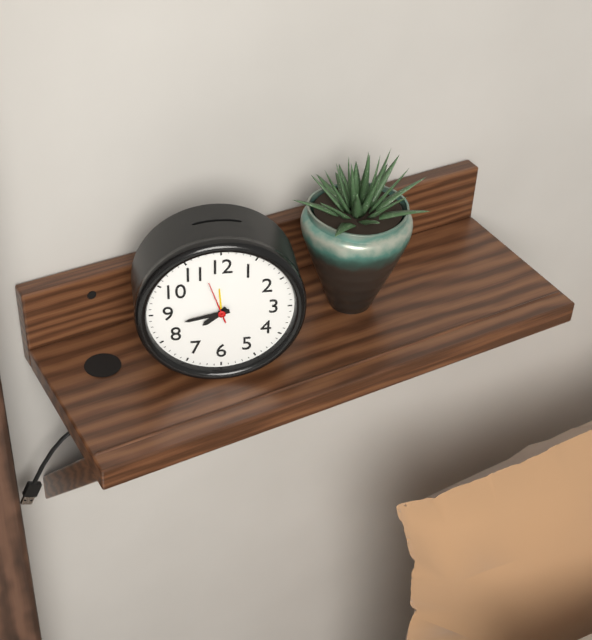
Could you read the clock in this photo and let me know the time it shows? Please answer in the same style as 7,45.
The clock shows 7,43
